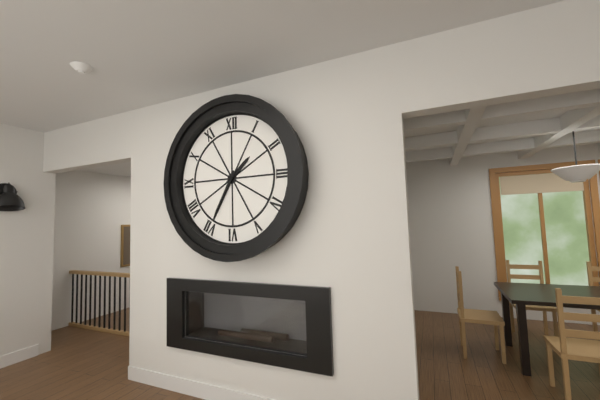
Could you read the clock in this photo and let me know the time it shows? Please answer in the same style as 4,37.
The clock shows 1,35
